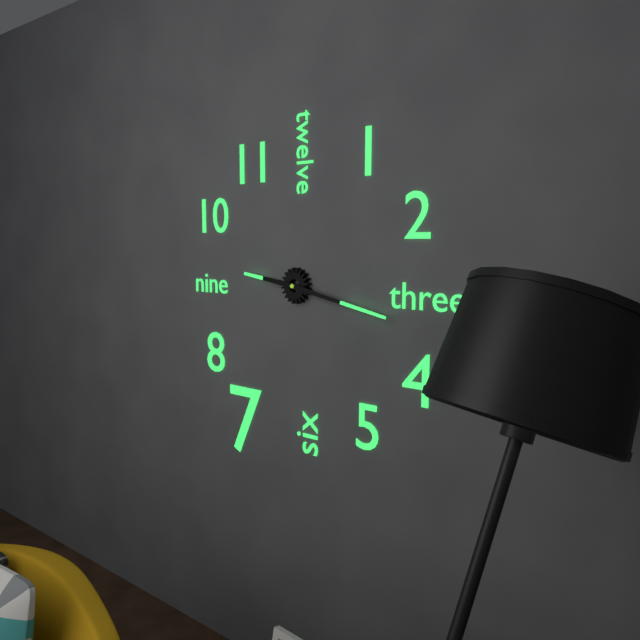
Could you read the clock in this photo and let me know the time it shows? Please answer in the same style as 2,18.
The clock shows 9,17
